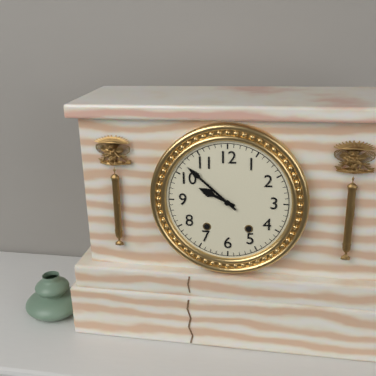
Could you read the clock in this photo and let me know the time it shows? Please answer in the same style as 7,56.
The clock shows 9,52
